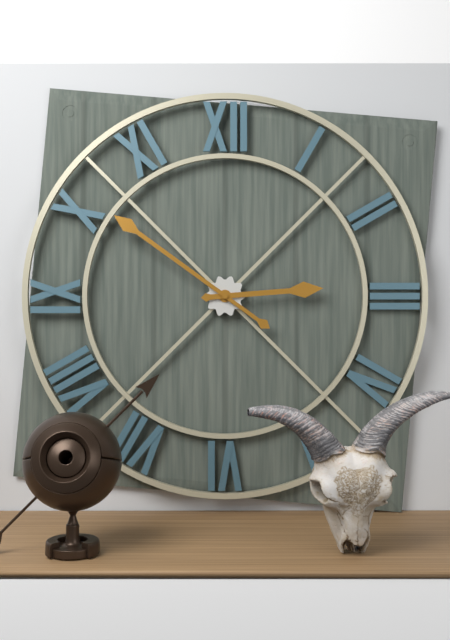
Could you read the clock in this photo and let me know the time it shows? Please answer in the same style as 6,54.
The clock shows 2,51
